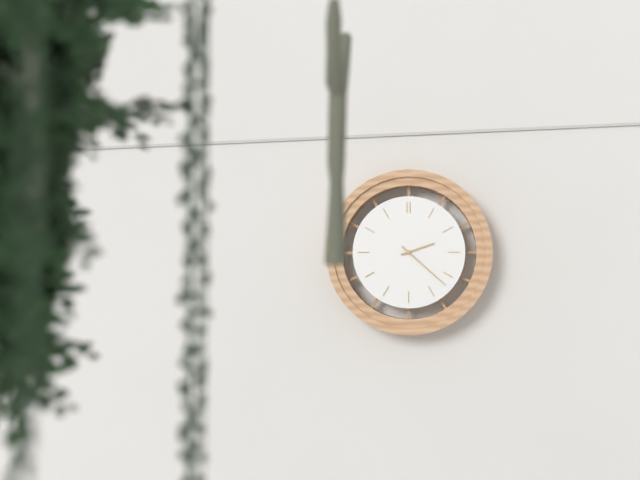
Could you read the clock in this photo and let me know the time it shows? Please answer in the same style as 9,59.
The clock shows 2,22
